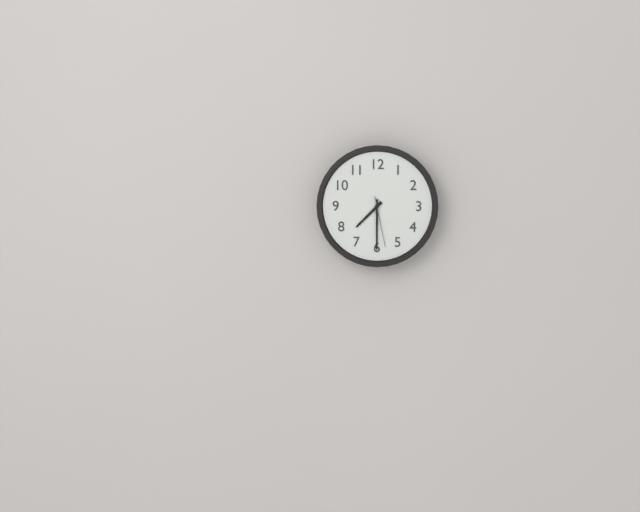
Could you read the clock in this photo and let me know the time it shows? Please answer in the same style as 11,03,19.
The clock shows 7,30,28
